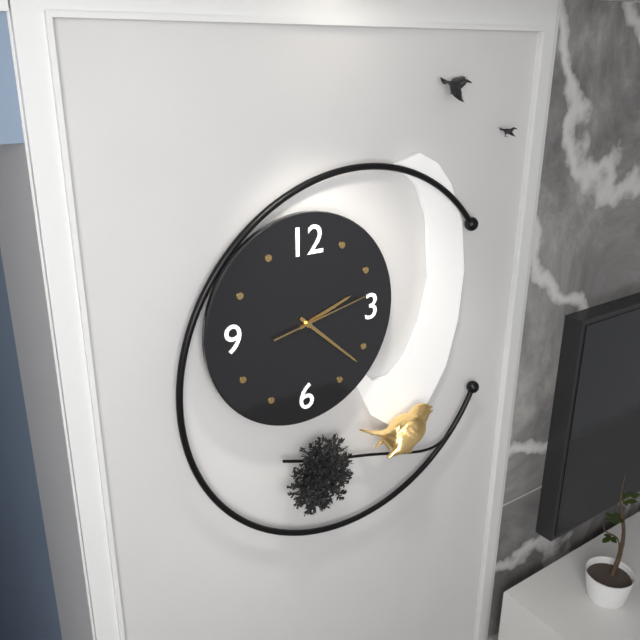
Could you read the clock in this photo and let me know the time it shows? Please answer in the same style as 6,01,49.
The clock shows 2,22,13
